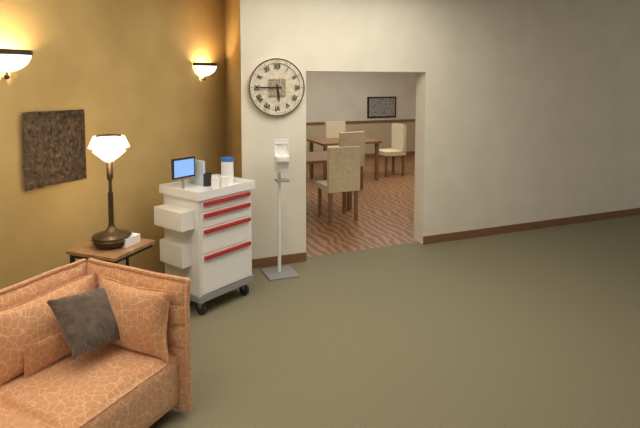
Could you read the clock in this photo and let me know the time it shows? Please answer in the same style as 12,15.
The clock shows 5,45
